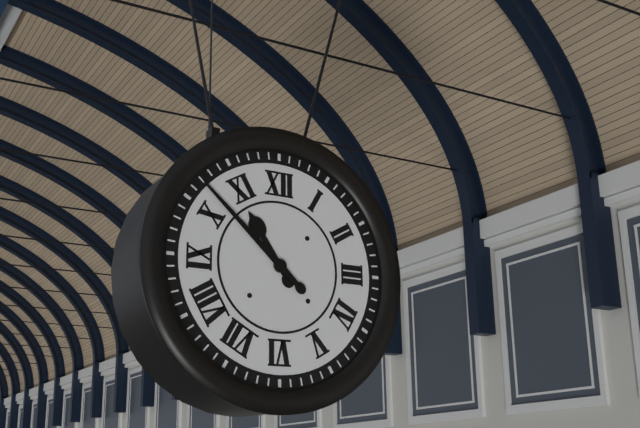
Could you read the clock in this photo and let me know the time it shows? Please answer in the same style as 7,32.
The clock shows 10,52
